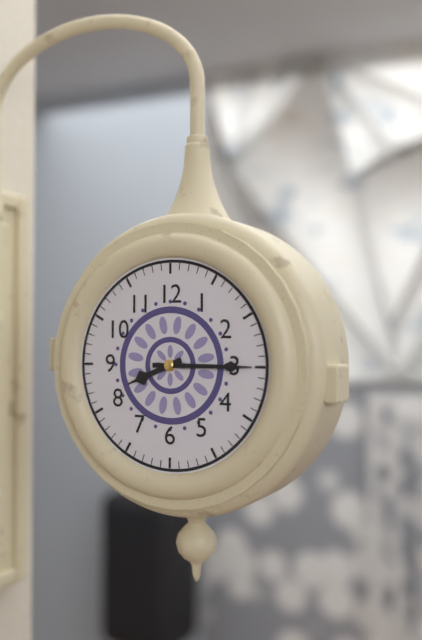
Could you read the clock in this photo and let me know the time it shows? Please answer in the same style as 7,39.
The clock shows 8,15
